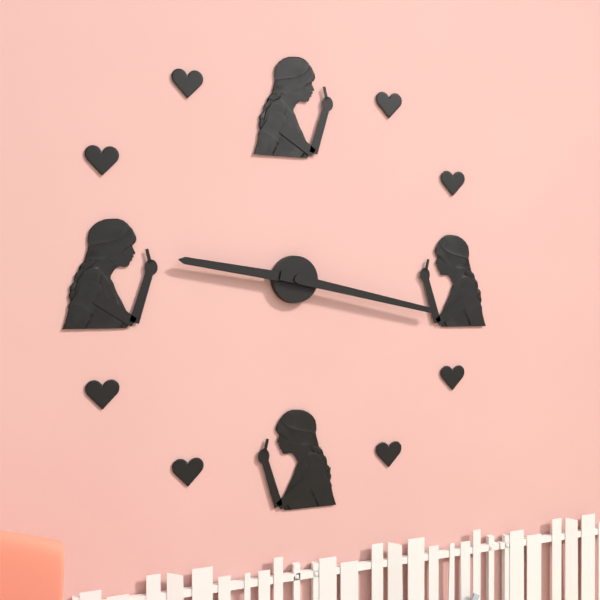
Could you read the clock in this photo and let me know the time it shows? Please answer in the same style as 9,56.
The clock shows 9,17
